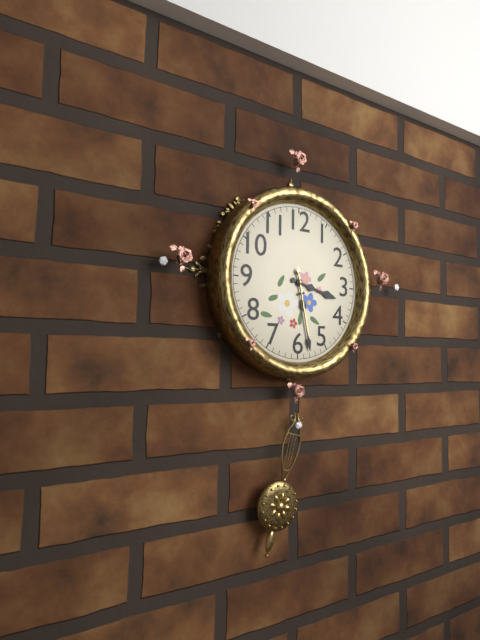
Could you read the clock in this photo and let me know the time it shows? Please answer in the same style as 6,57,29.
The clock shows 3,28,28
